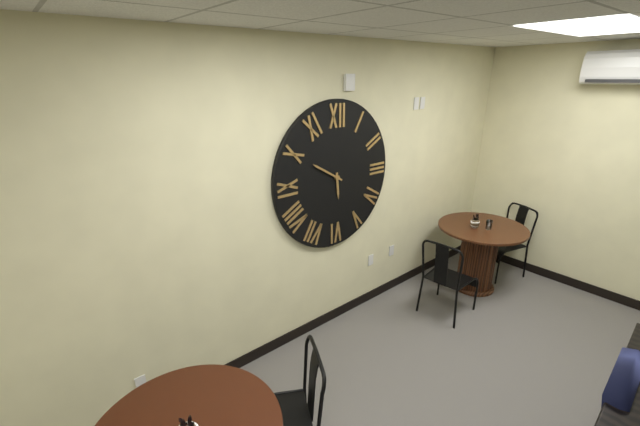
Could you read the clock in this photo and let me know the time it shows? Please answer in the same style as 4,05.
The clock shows 5,50
